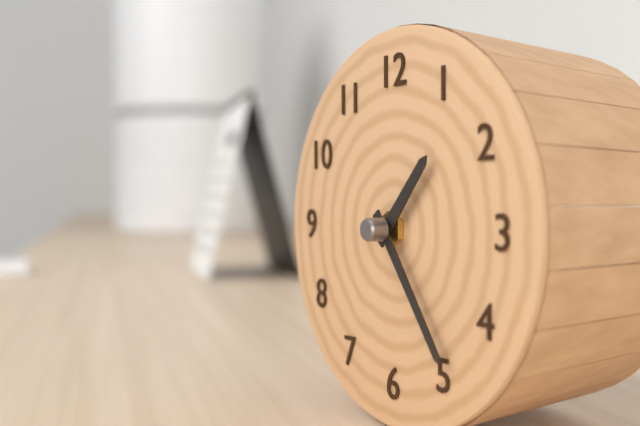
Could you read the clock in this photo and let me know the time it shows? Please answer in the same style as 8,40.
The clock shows 1,24
